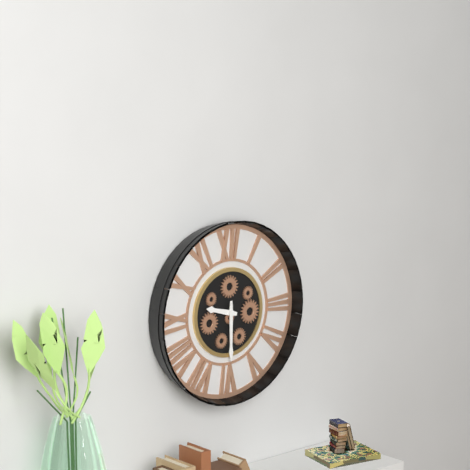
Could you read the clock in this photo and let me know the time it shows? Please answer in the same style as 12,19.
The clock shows 9,30
